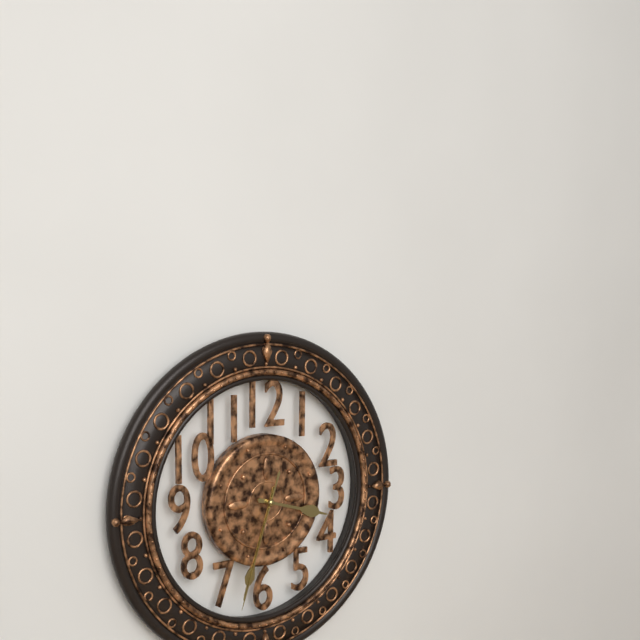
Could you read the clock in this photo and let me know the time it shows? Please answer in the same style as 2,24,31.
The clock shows 3,33,33
